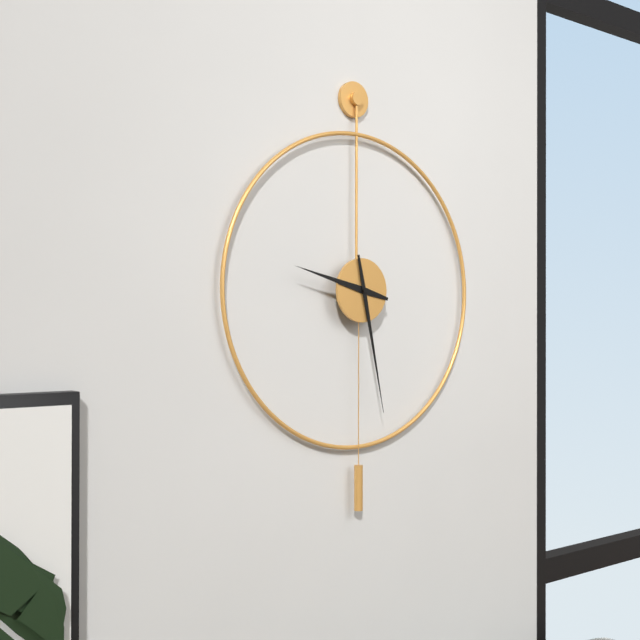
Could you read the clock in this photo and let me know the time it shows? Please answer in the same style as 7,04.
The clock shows 9,28
